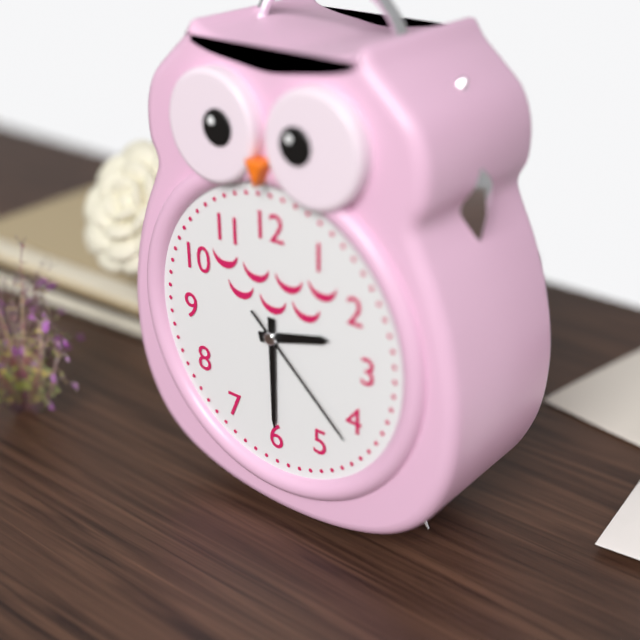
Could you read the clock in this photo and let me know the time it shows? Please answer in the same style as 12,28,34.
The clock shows 2,30,22
